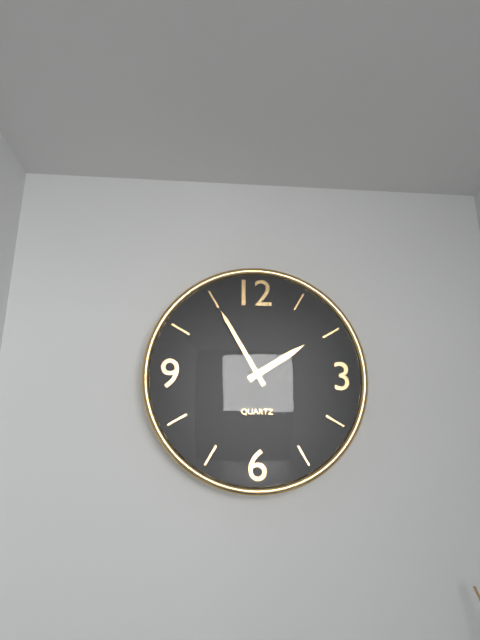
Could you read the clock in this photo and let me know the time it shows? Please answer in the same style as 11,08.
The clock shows 1,55
